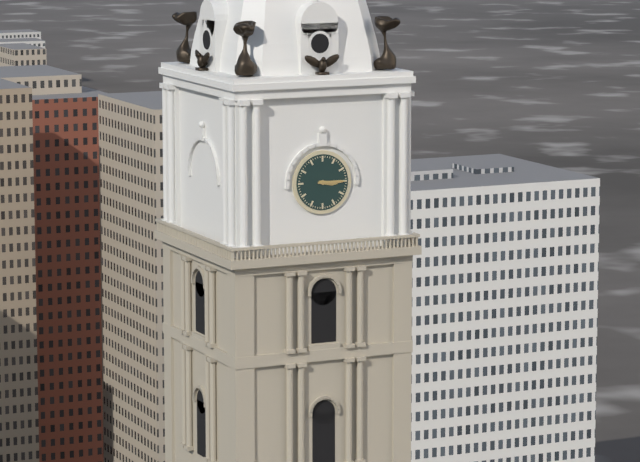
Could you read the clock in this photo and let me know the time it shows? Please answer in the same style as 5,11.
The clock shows 3,15
